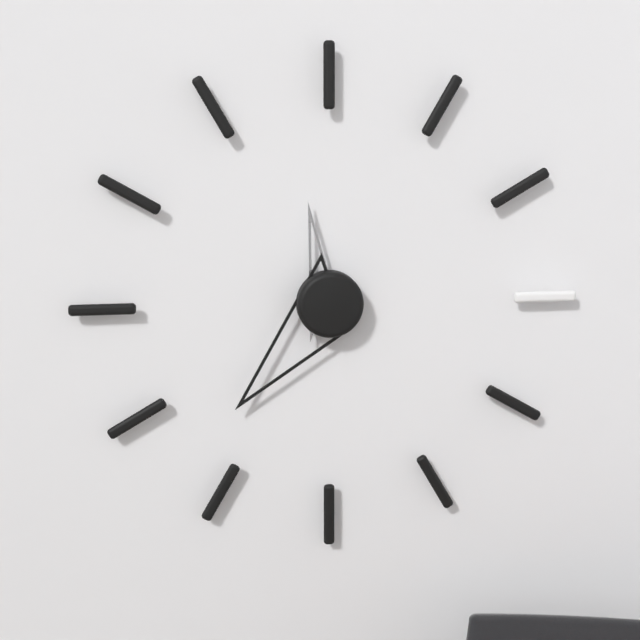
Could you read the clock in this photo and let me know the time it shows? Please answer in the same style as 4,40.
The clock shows 11,37
